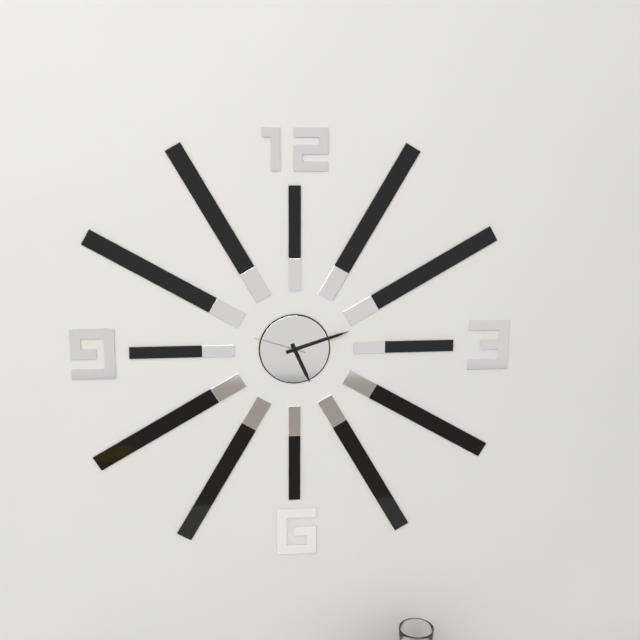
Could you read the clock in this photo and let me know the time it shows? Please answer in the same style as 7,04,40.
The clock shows 5,12,48
